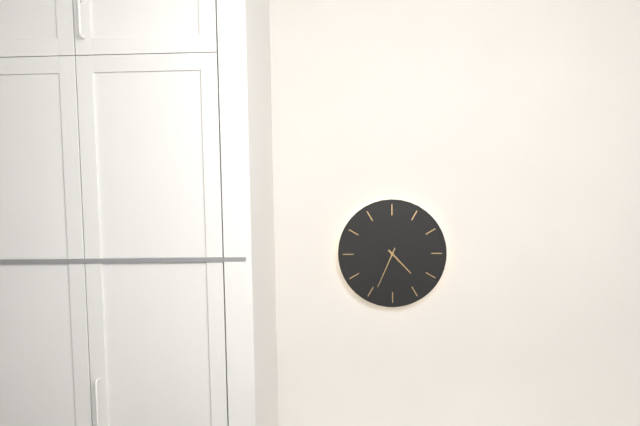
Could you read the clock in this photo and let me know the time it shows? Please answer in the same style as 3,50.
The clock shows 4,34
